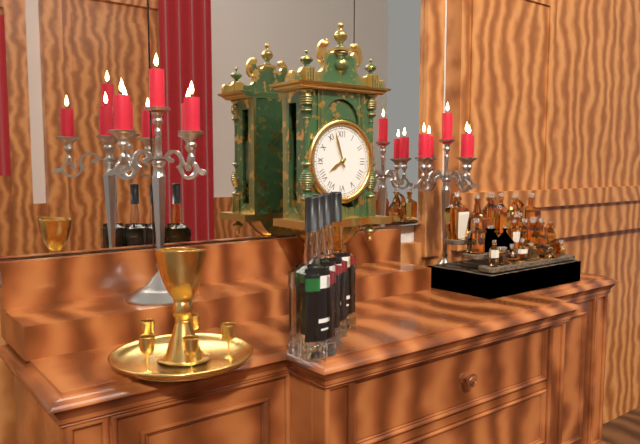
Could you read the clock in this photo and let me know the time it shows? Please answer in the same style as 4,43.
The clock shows 7,57
